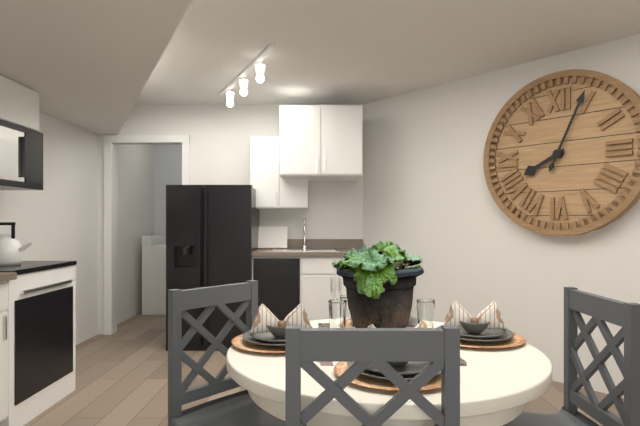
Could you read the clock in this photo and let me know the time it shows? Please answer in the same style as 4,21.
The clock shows 8,04
